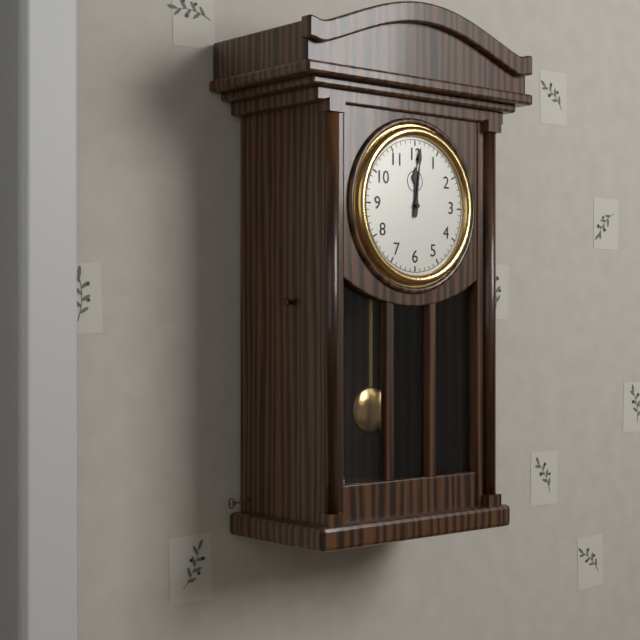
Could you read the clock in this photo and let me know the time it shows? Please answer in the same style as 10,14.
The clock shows 12,01
